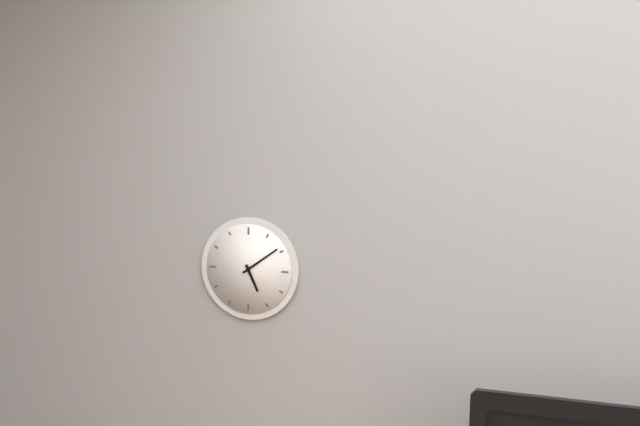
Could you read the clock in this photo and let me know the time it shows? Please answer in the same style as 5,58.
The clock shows 5,09
